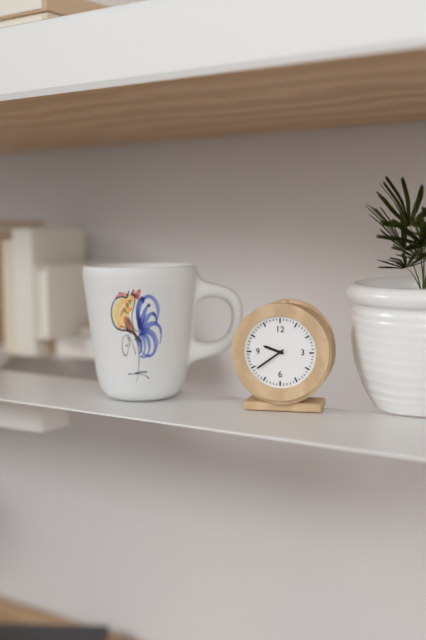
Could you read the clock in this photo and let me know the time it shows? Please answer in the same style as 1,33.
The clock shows 9,39
